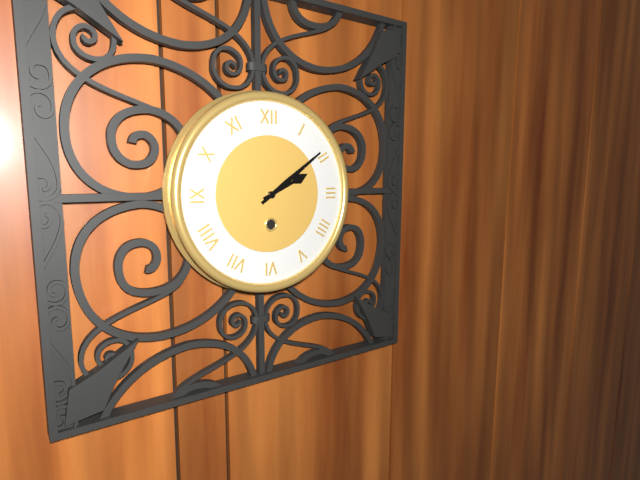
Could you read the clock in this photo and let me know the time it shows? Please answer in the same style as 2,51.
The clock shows 2,09
